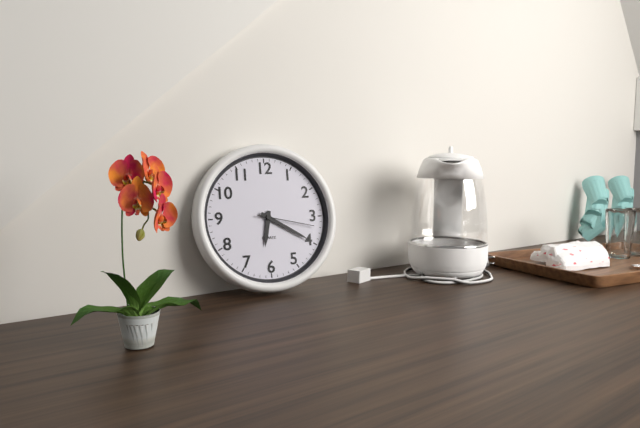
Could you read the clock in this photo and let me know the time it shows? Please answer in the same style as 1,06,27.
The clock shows 6,20,17
